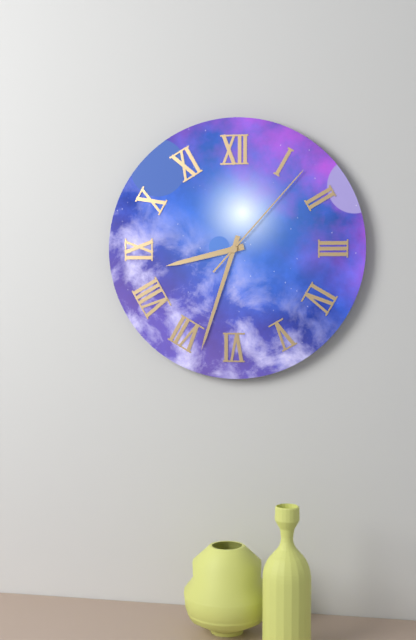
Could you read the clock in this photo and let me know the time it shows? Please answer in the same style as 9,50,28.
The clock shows 8,33,07
